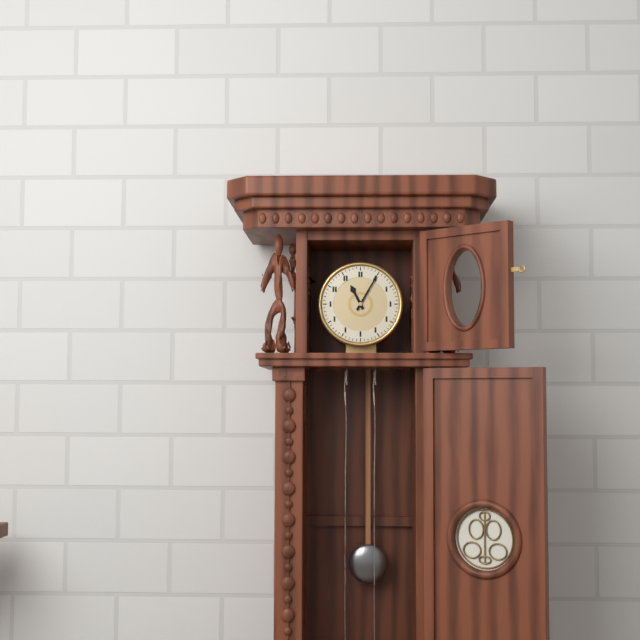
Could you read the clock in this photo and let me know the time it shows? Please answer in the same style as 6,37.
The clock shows 11,05
